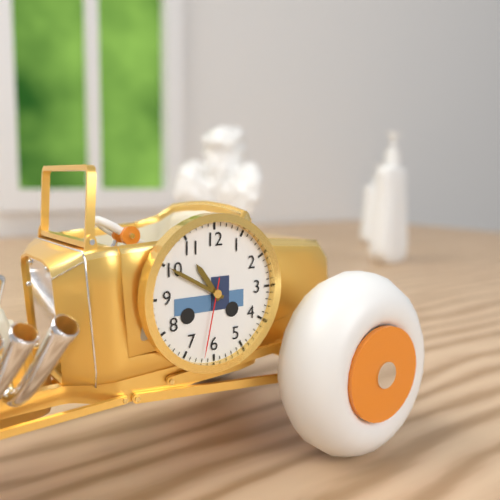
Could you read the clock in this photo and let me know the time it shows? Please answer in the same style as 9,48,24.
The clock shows 10,50,32
